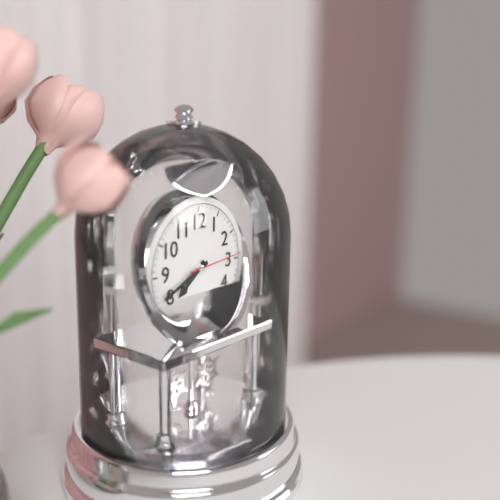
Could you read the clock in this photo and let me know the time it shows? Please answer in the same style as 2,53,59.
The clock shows 7,41,14
